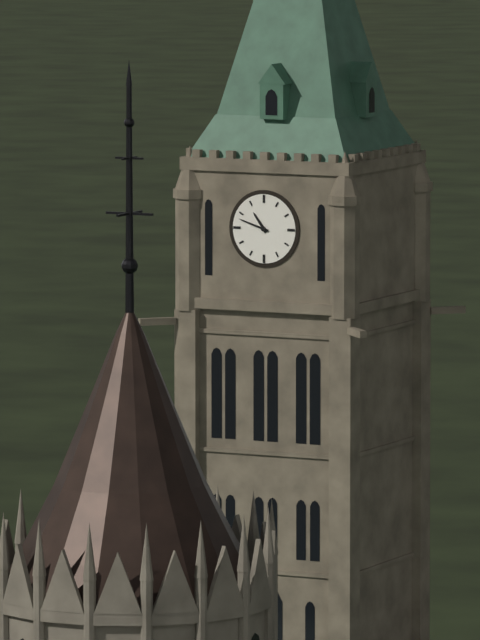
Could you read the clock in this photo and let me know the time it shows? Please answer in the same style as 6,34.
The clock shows 10,48
